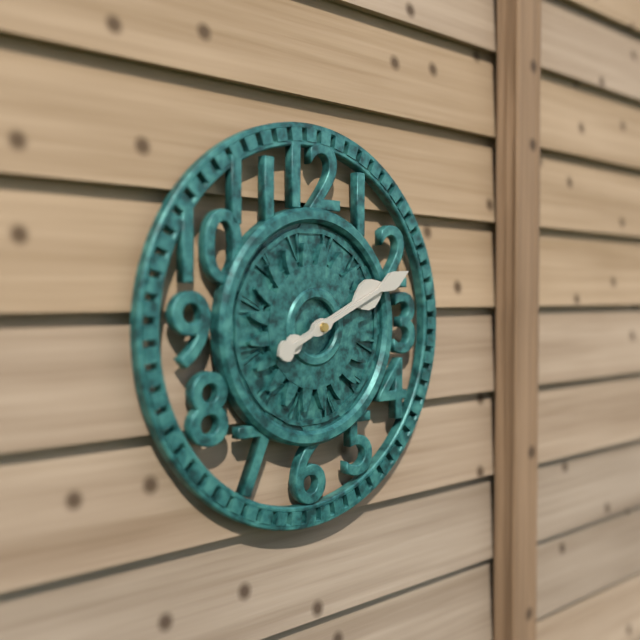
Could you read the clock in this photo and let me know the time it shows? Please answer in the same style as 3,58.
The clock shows 2,11
